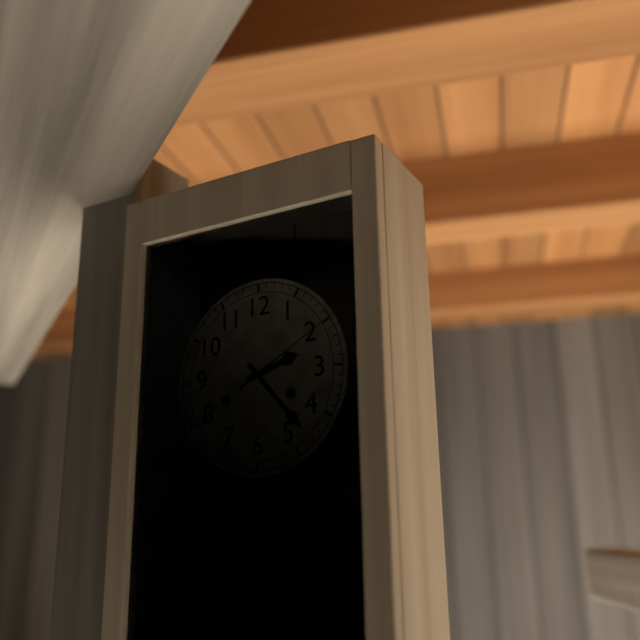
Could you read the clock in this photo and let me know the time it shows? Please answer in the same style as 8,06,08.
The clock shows 2,23,10
